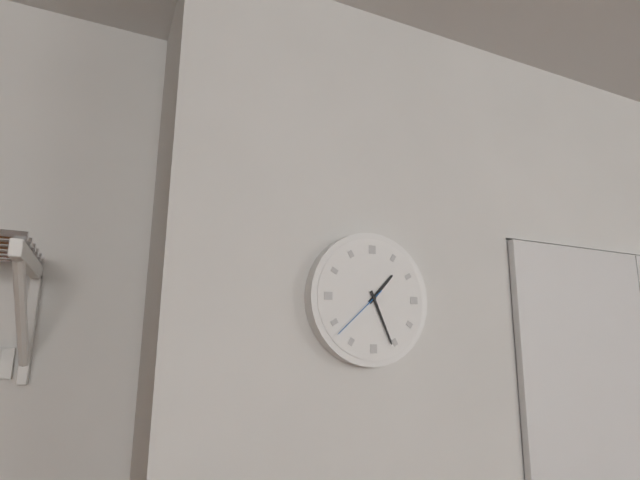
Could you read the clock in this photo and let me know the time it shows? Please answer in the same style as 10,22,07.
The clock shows 1,26,38
